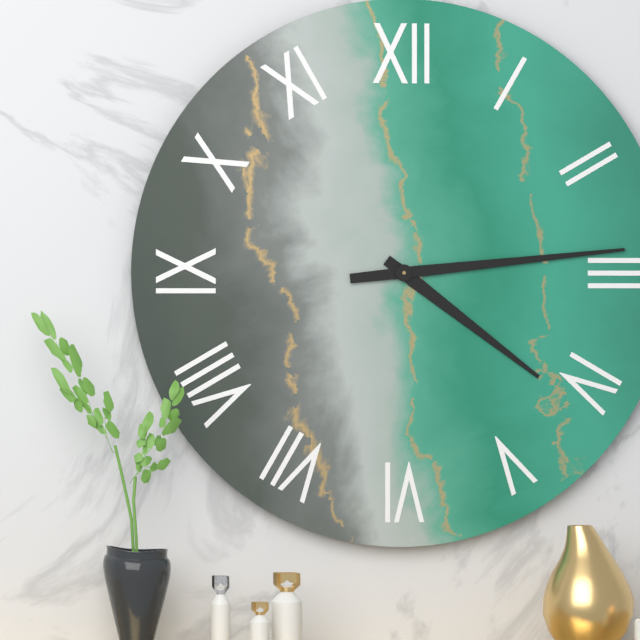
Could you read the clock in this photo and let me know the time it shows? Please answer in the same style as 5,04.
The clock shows 4,14
